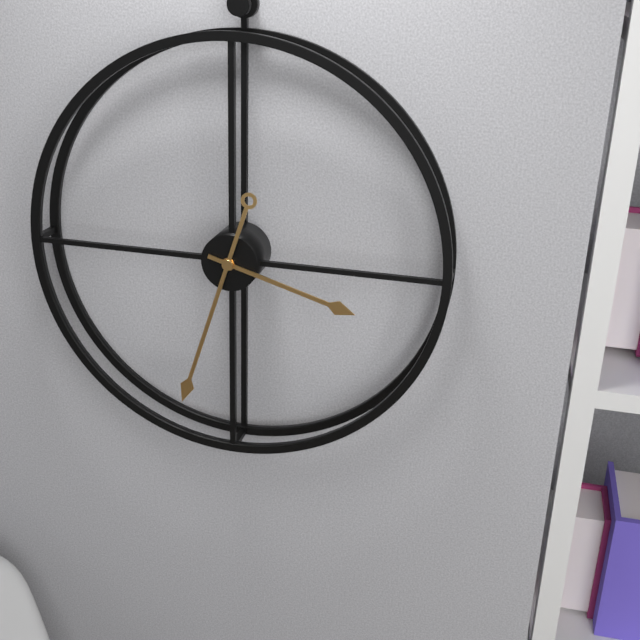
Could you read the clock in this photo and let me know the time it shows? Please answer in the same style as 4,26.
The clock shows 3,33
